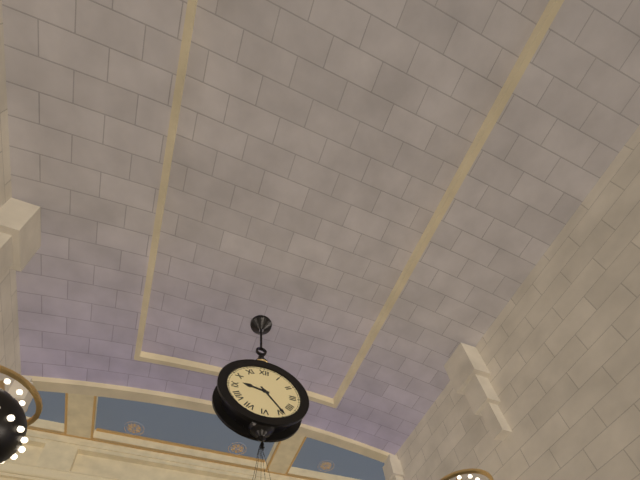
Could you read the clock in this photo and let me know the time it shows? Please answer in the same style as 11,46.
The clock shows 9,24
